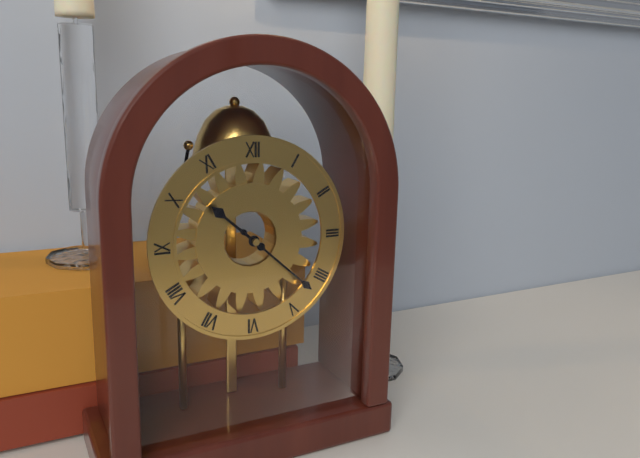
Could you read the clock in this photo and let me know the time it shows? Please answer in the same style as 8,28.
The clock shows 10,22
